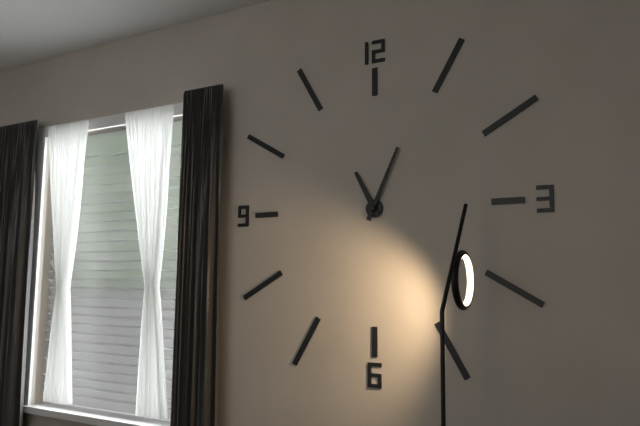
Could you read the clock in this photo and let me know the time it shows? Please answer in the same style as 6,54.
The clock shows 11,04
